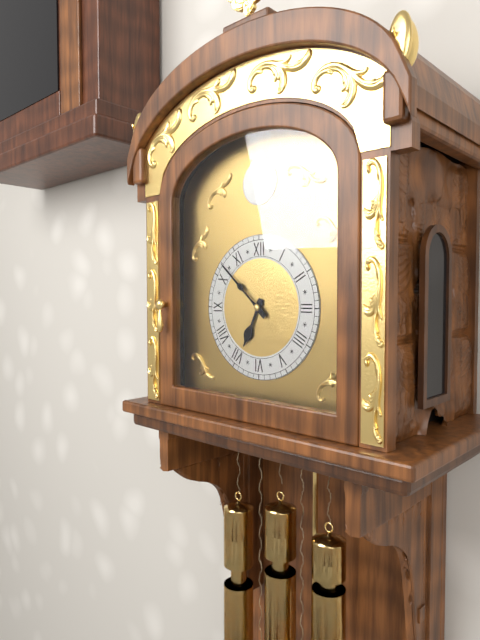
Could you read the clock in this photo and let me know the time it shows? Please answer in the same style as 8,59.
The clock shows 6,52
